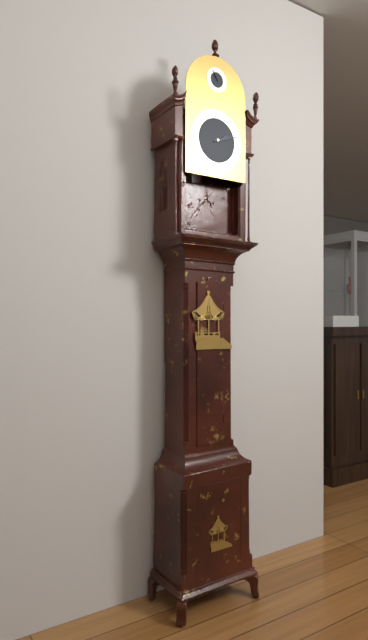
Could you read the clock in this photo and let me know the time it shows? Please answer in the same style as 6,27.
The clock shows 2,12
